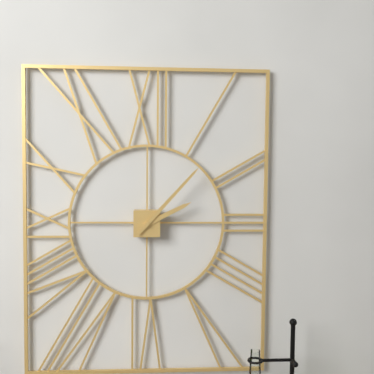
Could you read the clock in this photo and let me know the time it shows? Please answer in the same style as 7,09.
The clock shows 2,07
